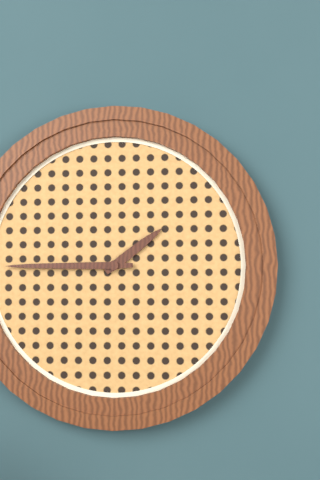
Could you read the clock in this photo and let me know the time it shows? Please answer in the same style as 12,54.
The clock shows 1,45
